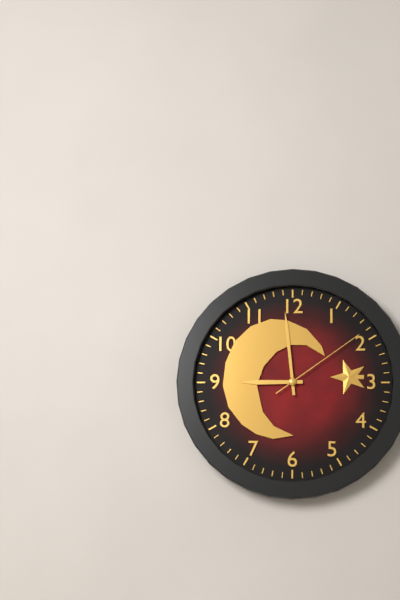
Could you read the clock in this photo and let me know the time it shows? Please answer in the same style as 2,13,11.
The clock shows 8,59,09
